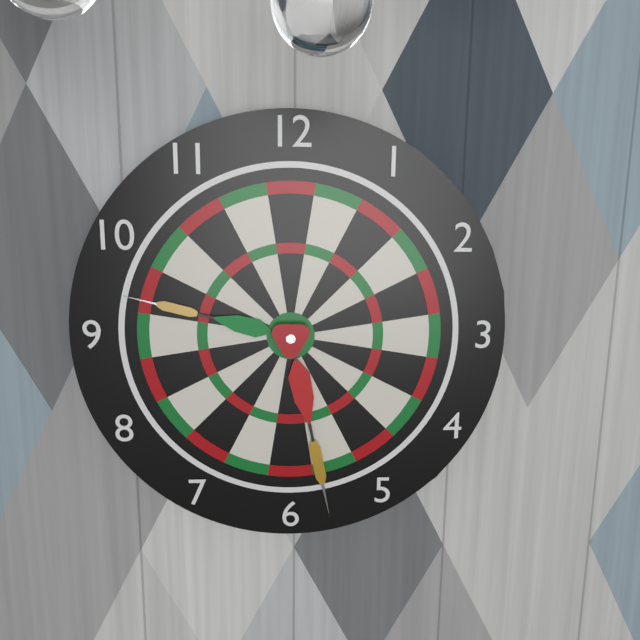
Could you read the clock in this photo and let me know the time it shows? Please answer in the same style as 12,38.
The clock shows 9,28
